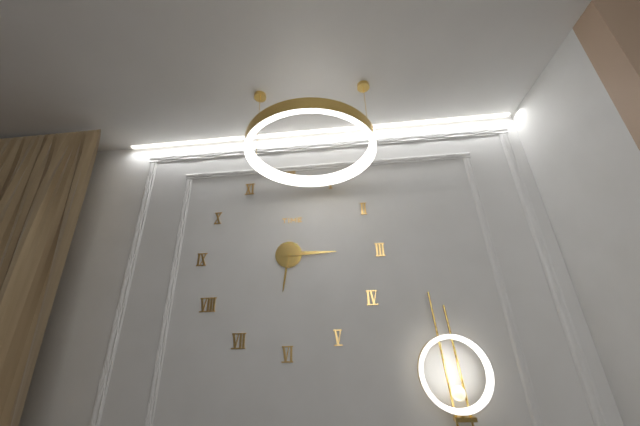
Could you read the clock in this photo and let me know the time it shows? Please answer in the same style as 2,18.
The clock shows 6,15
